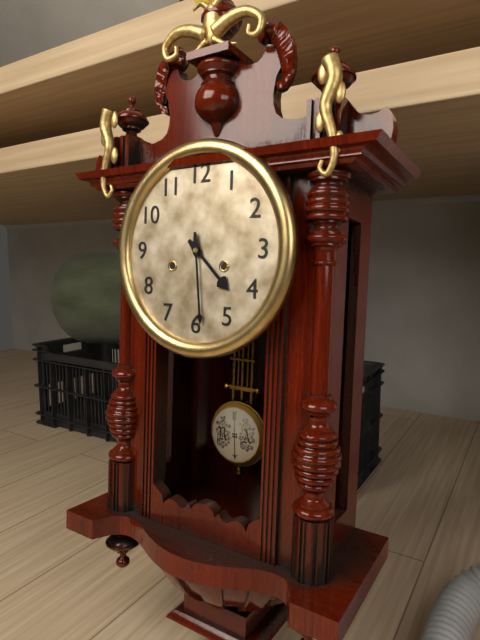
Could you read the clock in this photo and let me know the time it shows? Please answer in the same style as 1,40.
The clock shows 4,29
